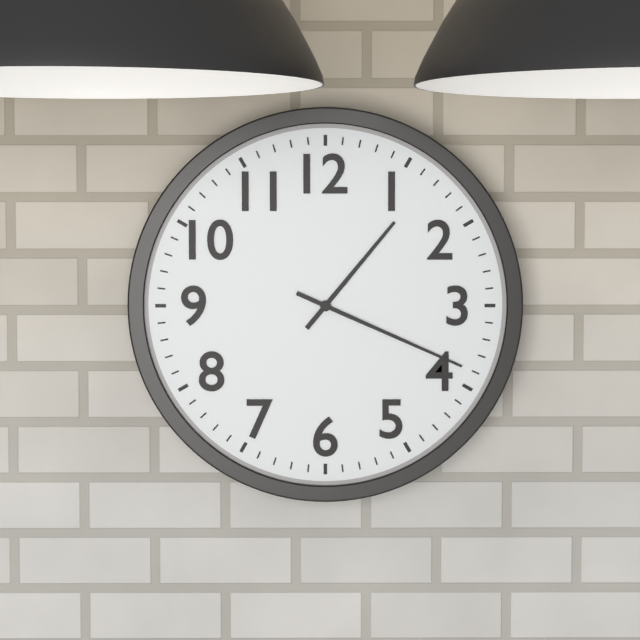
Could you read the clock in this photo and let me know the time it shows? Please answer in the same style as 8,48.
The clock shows 1,19
